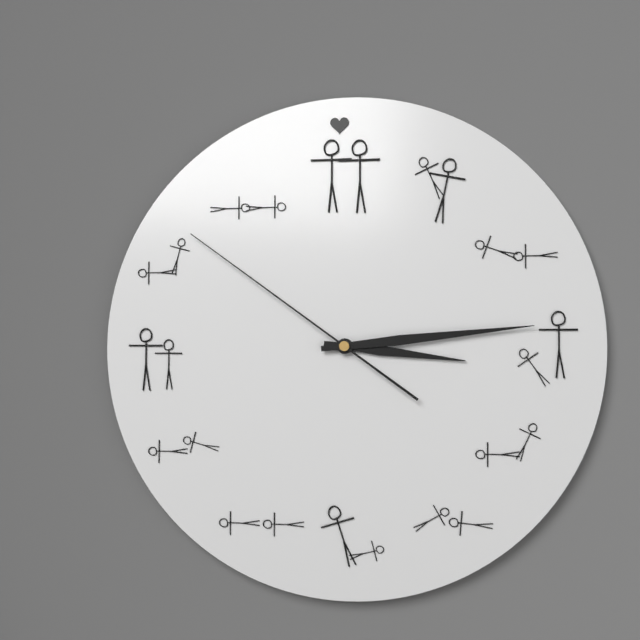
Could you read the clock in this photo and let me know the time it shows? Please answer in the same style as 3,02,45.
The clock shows 3,14,51
